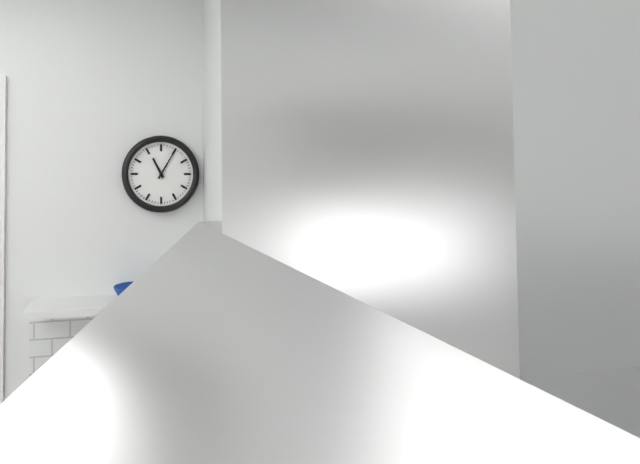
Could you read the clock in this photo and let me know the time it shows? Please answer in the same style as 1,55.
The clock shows 11,05
